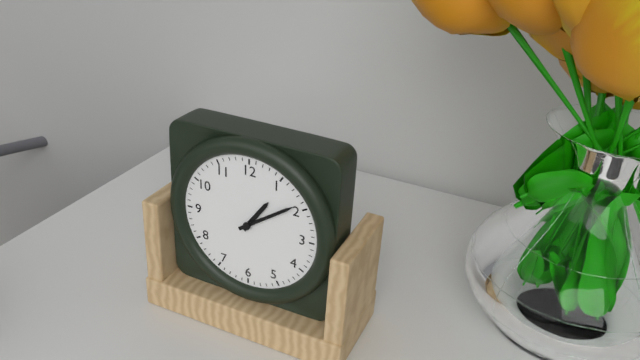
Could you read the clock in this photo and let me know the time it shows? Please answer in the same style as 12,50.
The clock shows 1,09
